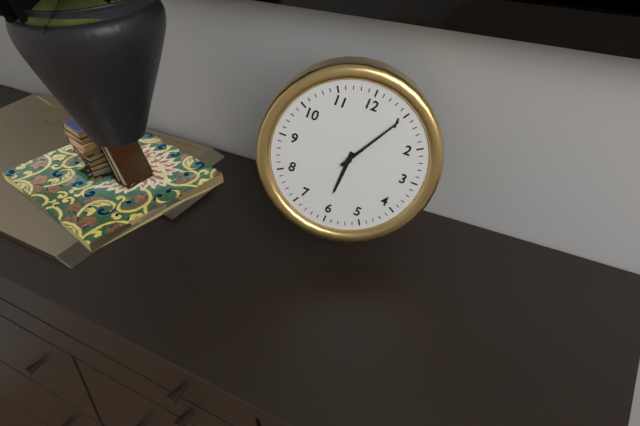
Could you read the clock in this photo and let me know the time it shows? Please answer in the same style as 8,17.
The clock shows 6,05
